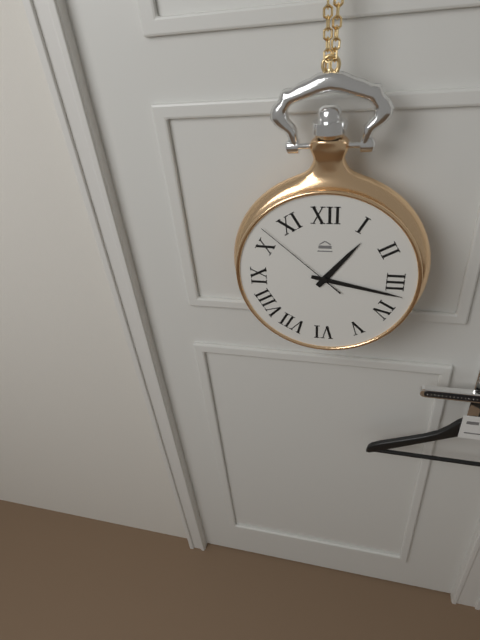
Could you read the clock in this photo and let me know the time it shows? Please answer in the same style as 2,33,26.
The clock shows 1,17,52
